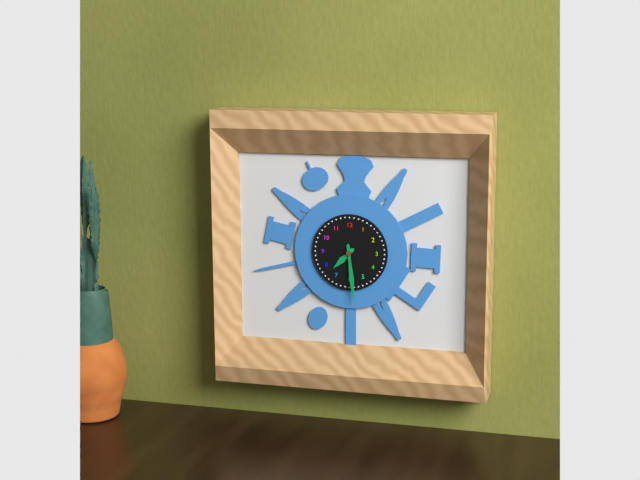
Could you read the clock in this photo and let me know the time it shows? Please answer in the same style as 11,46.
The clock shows 7,29
